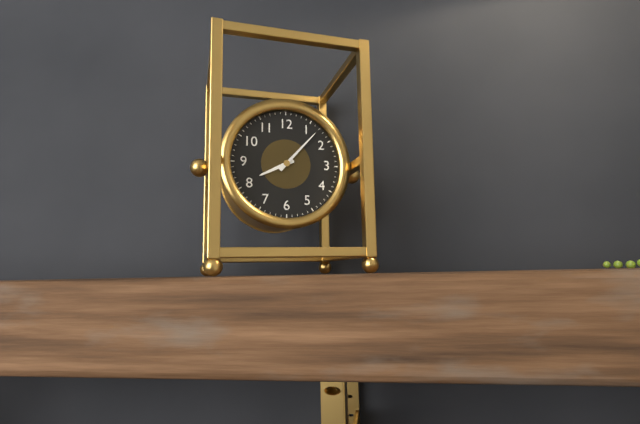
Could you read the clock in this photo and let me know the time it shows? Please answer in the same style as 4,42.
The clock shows 8,07
